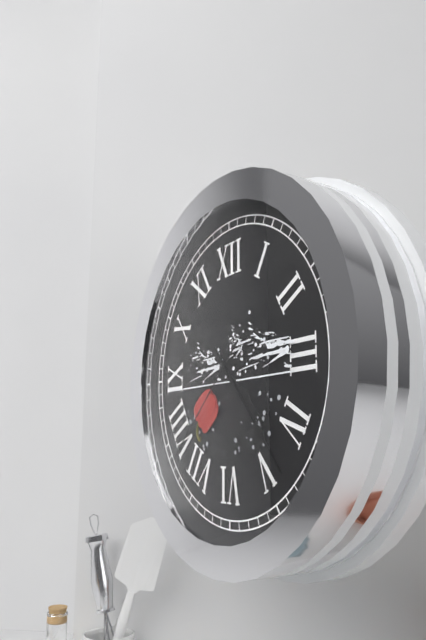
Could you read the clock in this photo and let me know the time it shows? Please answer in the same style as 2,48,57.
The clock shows 4,23,38
